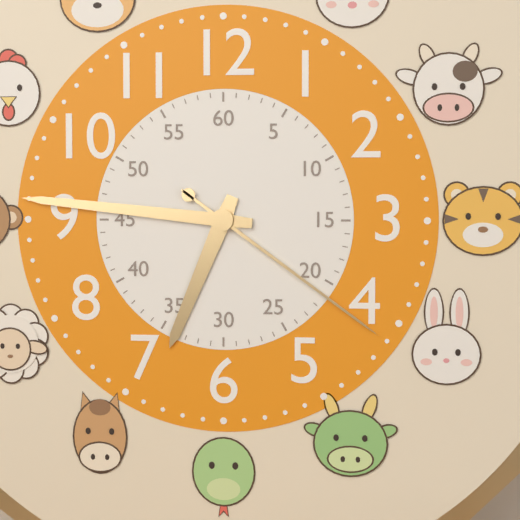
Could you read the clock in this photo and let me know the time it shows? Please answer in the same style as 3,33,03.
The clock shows 6,46,21
